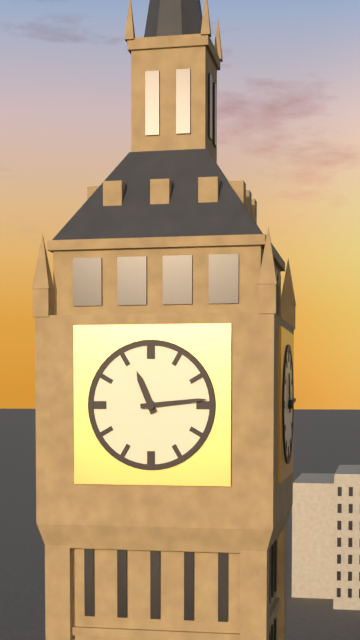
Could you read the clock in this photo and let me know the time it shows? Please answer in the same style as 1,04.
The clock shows 11,14
